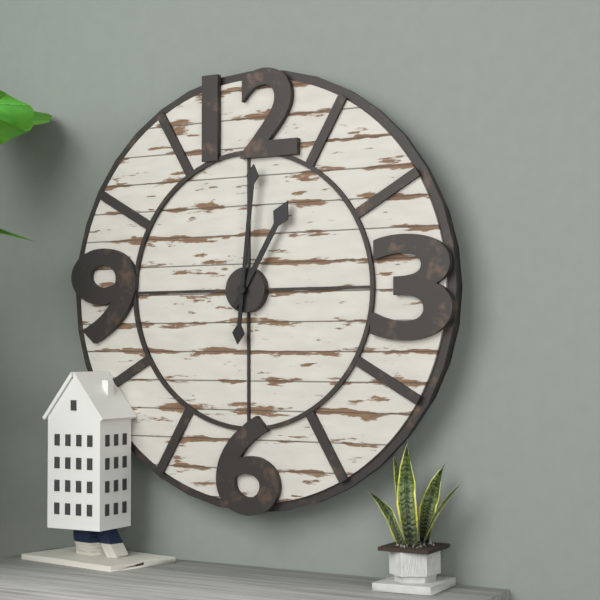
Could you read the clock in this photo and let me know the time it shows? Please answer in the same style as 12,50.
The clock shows 1,01
